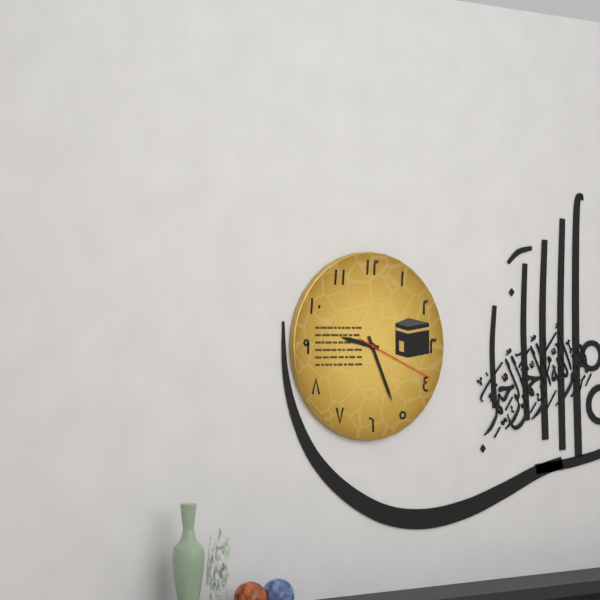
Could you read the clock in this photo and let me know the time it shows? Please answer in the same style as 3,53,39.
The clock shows 9,26,19
